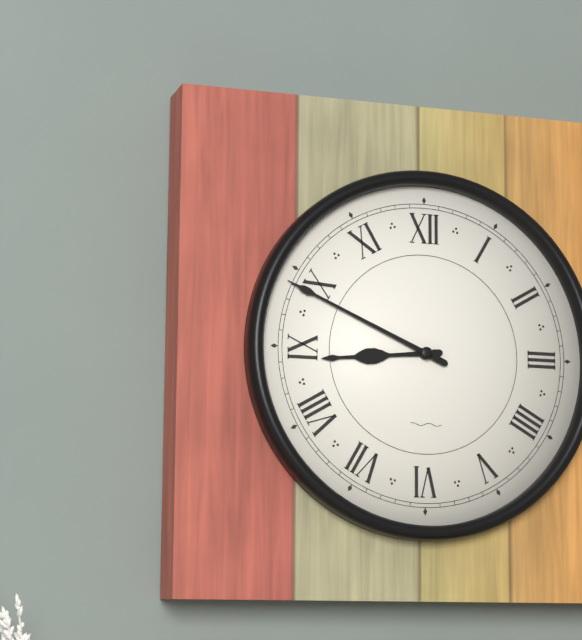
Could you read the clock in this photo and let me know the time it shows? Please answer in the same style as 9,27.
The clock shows 8,49
